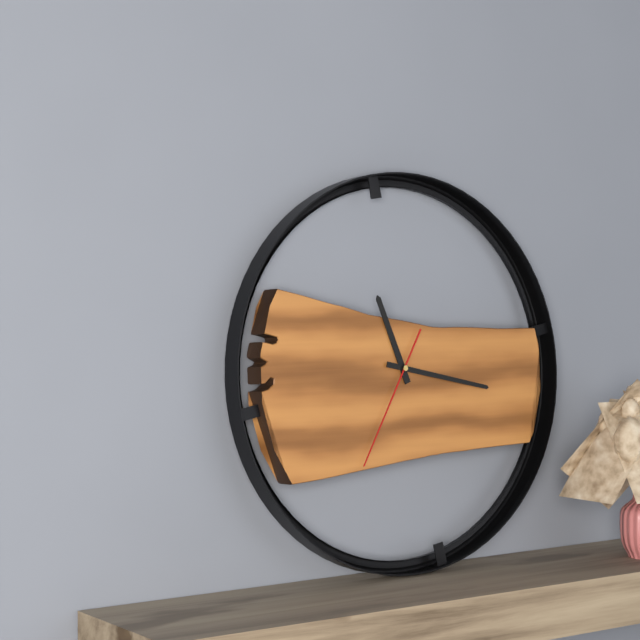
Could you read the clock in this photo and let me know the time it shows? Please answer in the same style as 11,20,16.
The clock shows 11,17,35
